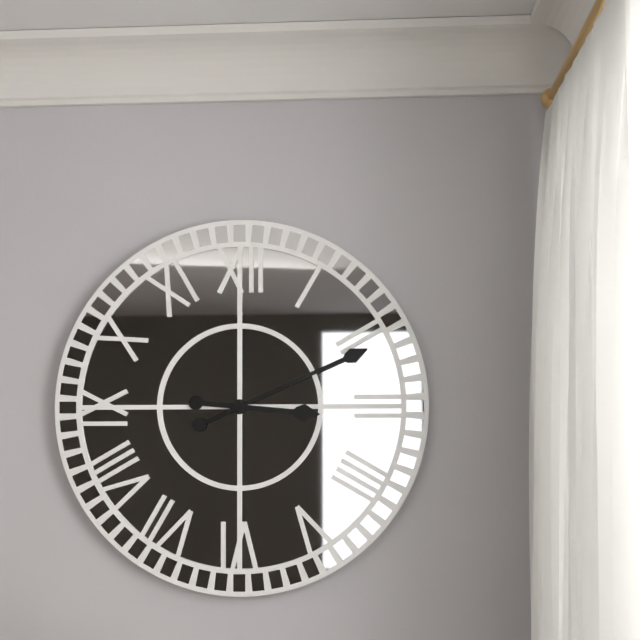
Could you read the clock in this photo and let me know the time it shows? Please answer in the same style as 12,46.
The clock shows 3,11
